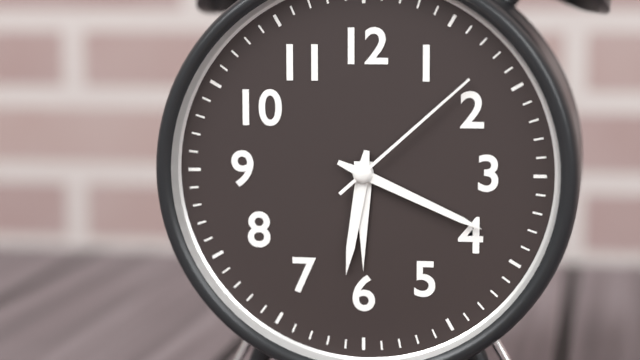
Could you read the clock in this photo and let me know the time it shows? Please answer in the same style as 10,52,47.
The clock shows 6,19,08
